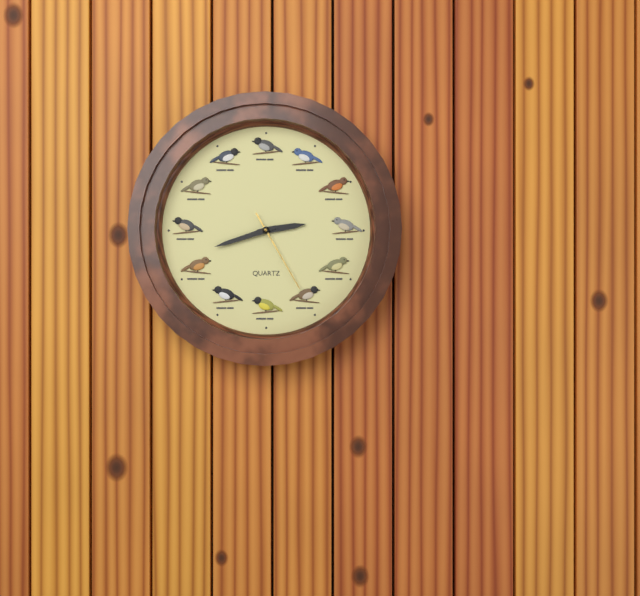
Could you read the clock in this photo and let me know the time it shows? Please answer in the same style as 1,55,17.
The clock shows 2,42,25
